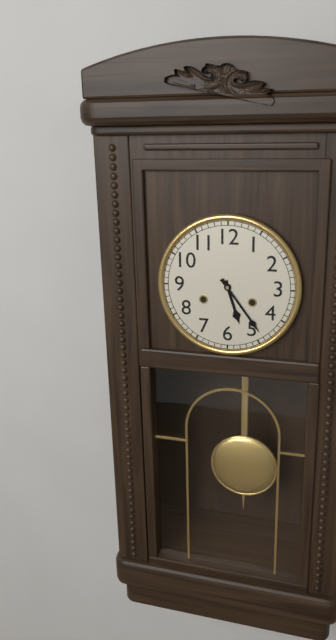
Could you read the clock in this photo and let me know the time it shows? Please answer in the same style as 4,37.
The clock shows 5,24
